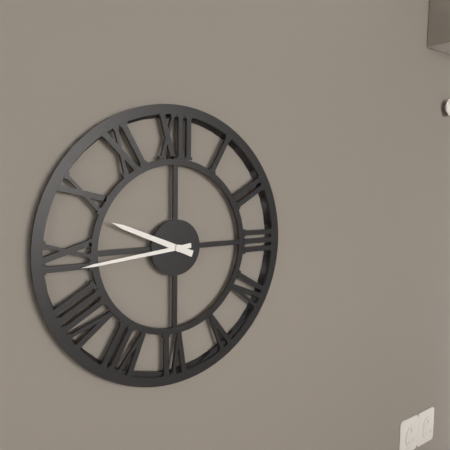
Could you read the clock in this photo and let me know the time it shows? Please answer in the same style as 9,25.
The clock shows 9,44
